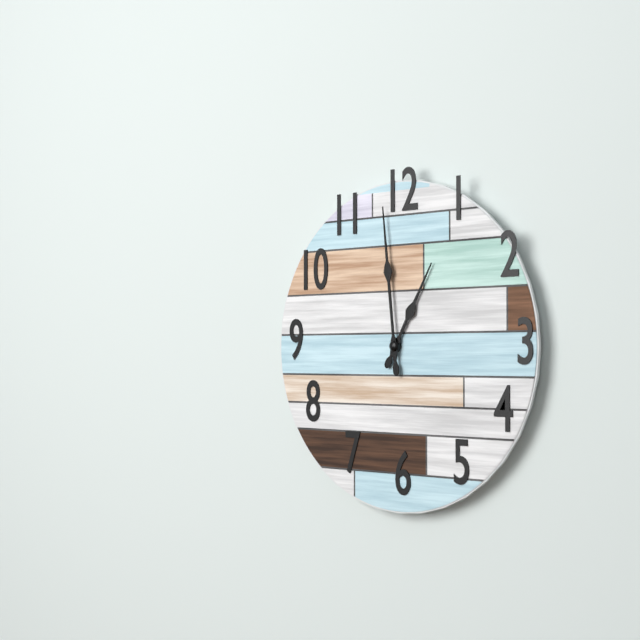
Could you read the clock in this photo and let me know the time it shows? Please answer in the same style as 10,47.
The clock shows 12,59
